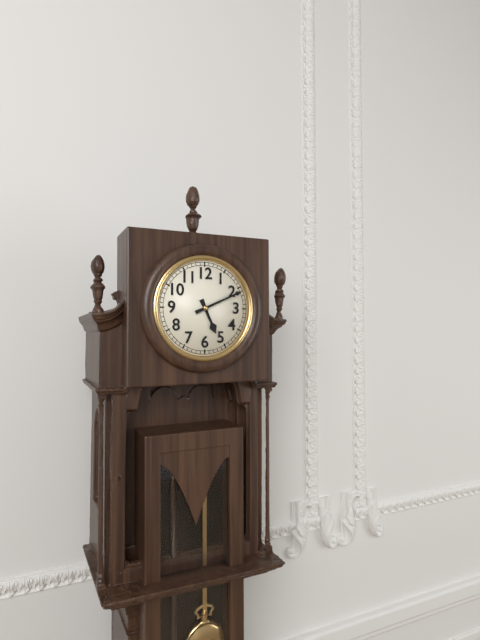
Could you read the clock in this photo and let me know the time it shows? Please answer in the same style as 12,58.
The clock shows 5,11
